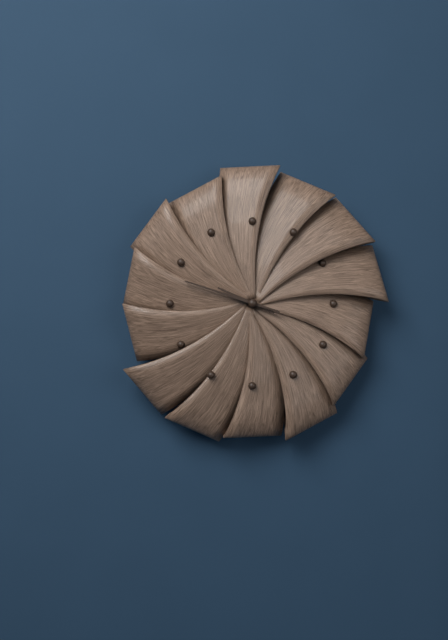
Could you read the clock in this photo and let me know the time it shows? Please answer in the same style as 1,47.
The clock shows 9,48
